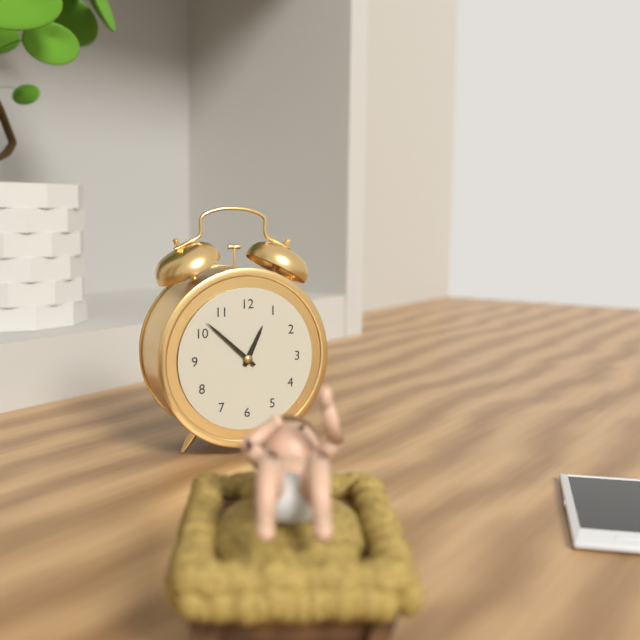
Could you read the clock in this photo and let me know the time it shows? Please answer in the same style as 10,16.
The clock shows 12,52
